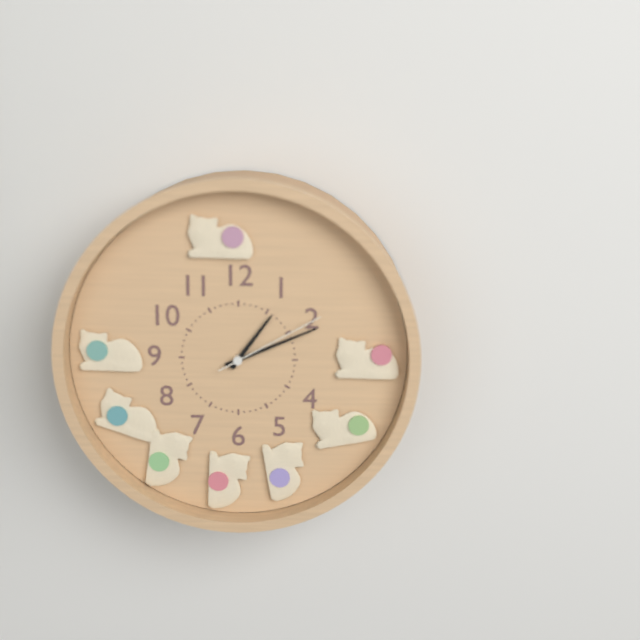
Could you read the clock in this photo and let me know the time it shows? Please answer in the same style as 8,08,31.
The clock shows 1,11,10
